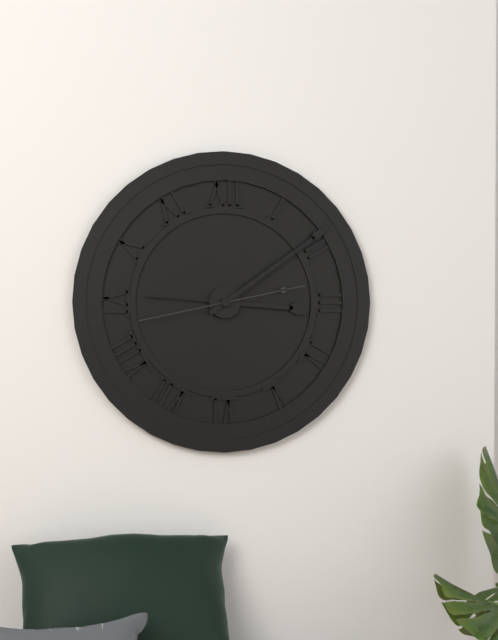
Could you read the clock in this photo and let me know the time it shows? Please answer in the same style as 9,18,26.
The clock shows 3,09,43
